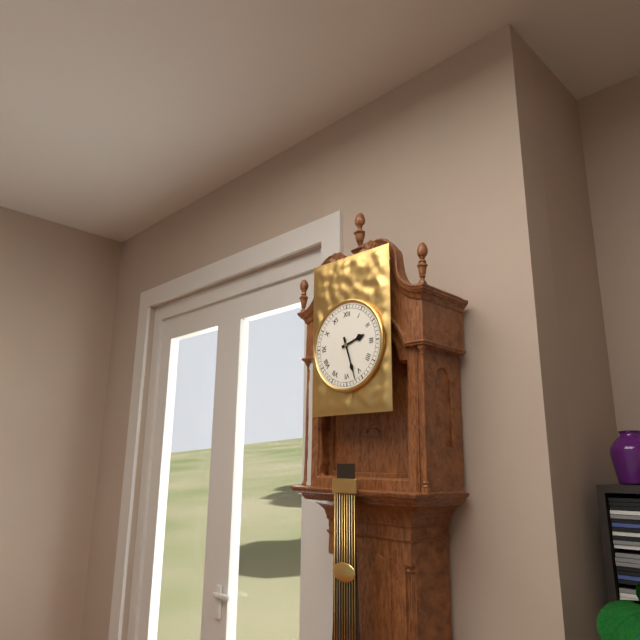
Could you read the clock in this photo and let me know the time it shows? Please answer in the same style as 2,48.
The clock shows 2,27
